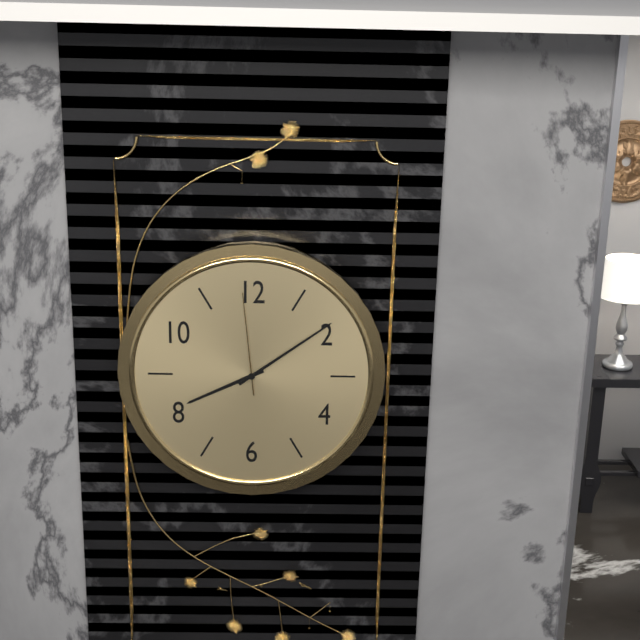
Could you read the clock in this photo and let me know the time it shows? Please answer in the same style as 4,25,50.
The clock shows 8,09,59
